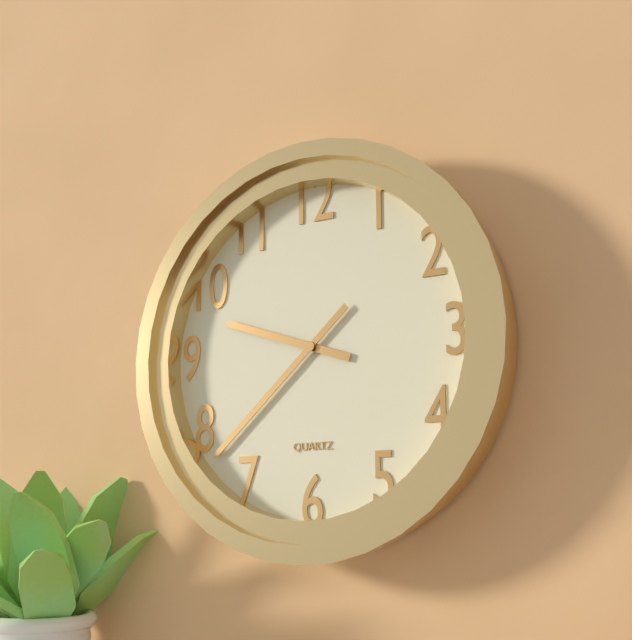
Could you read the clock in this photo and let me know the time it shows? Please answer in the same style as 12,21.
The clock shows 9,38
